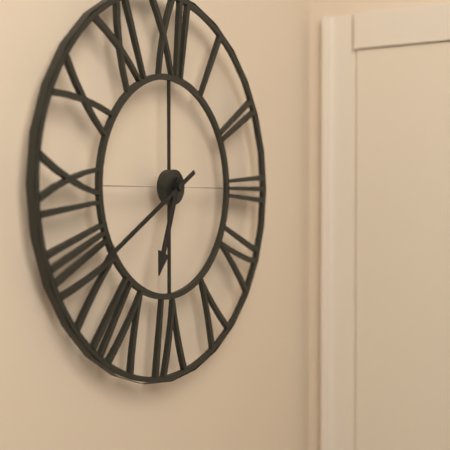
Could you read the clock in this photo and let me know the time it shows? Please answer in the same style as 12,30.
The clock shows 6,40
